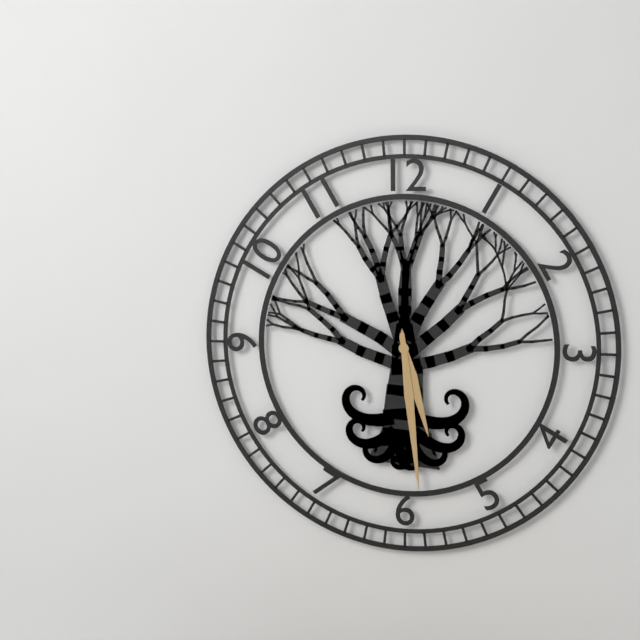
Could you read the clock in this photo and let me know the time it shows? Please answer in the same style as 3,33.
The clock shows 5,29
